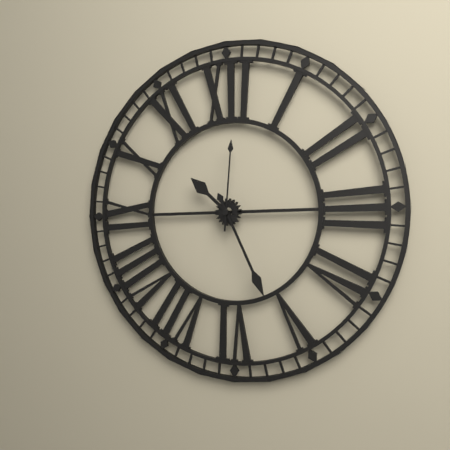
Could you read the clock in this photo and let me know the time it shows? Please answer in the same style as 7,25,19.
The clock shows 10,26,01
